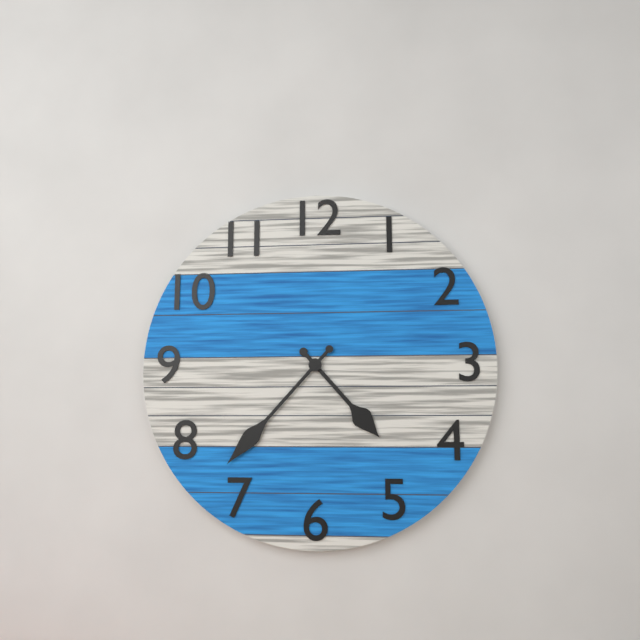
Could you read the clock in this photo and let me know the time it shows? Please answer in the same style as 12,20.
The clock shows 4,37
